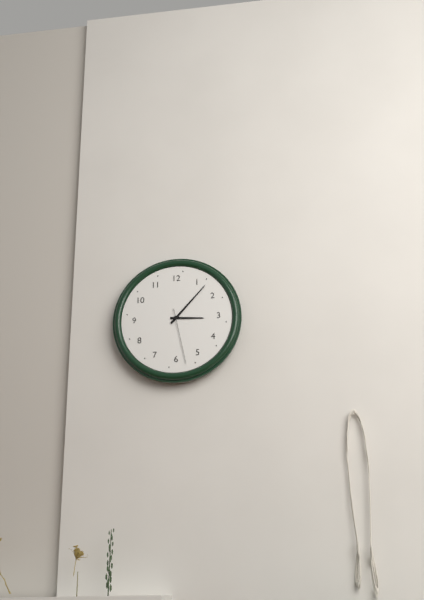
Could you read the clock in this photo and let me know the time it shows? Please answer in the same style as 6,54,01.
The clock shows 3,07,28
